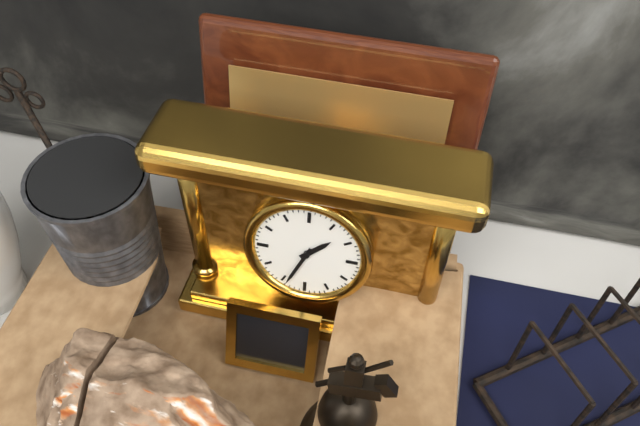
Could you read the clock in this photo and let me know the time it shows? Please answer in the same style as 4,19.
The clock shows 1,34
